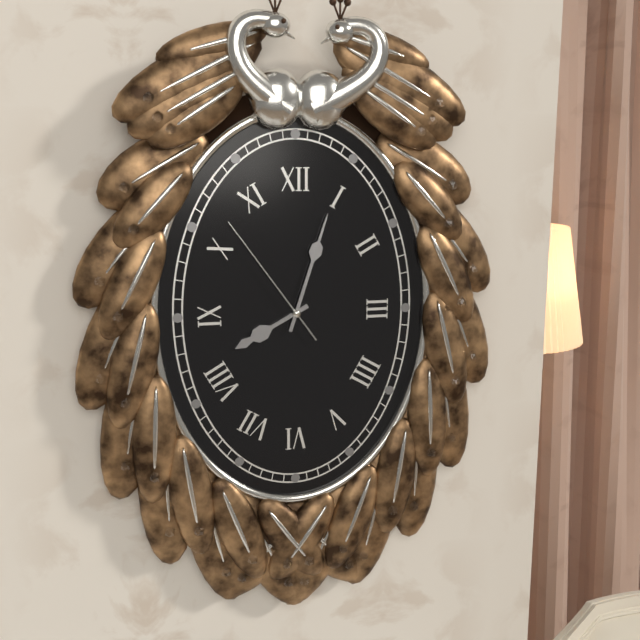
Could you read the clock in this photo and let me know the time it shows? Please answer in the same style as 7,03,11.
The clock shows 8,03,54
